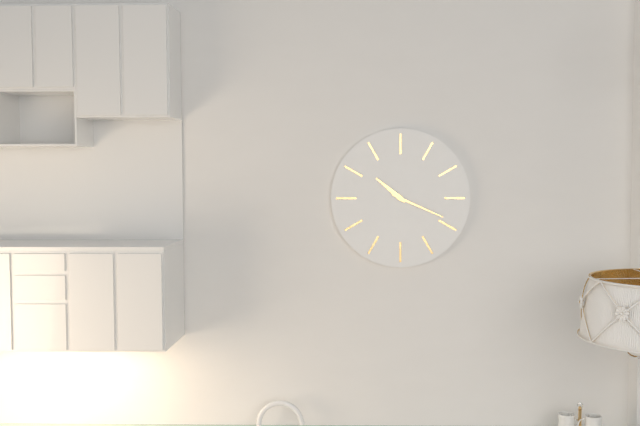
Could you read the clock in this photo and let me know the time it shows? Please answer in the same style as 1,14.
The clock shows 10,19
